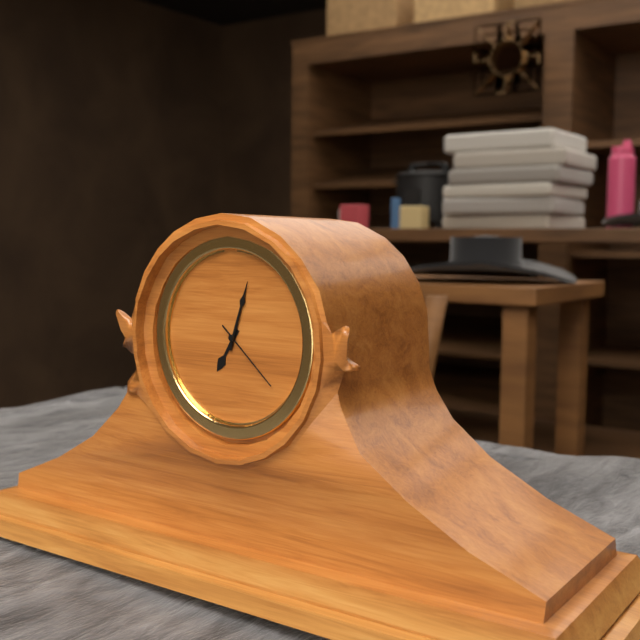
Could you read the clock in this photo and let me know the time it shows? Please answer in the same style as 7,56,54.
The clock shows 7,03,22
